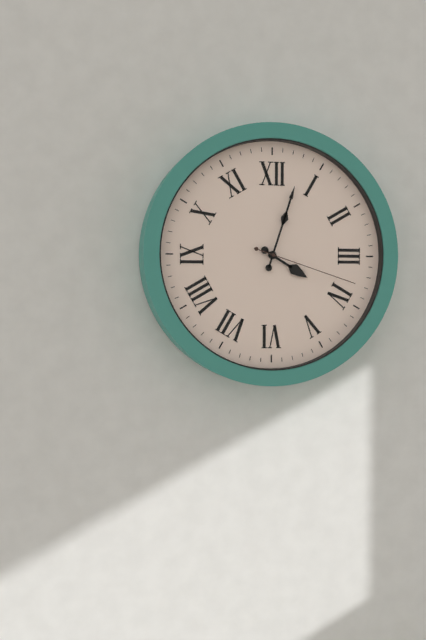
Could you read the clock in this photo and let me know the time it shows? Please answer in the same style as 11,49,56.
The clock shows 4,03,18
